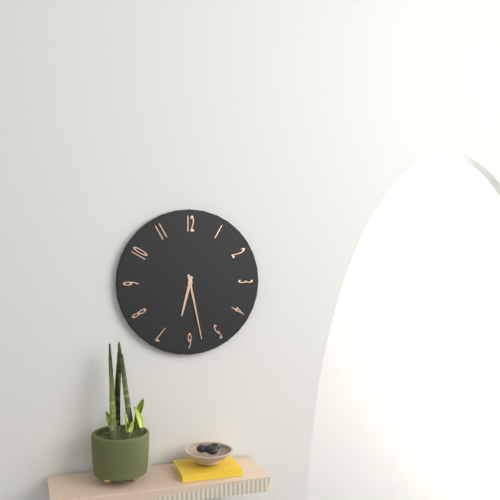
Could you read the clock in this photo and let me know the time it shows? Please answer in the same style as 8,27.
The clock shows 6,28
